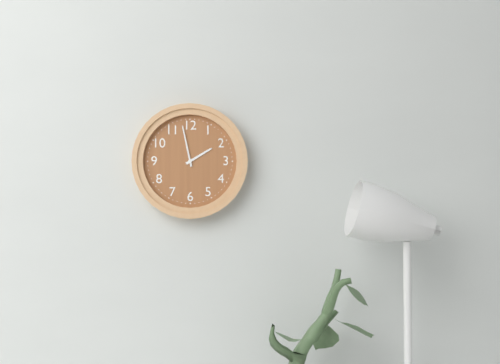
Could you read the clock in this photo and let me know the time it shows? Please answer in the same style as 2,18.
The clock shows 1,58
